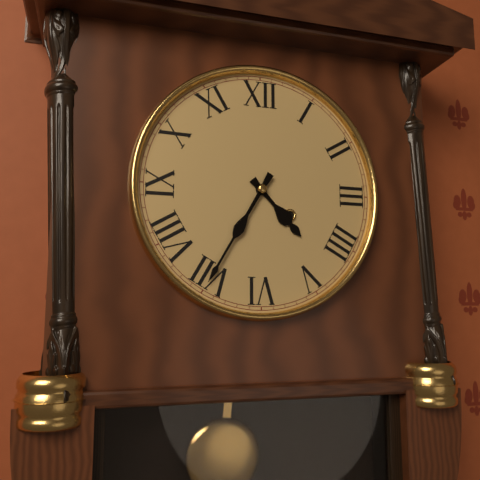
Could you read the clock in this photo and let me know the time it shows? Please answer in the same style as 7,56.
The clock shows 4,35
